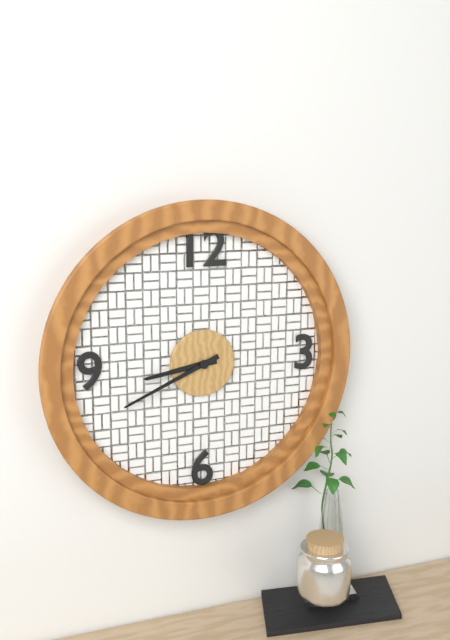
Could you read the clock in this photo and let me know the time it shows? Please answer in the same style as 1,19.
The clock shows 8,41
